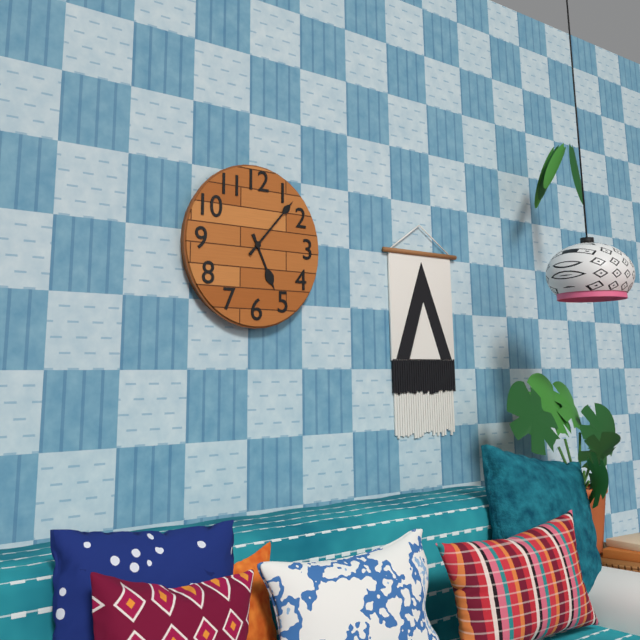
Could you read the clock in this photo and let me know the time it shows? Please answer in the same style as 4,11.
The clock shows 5,07
